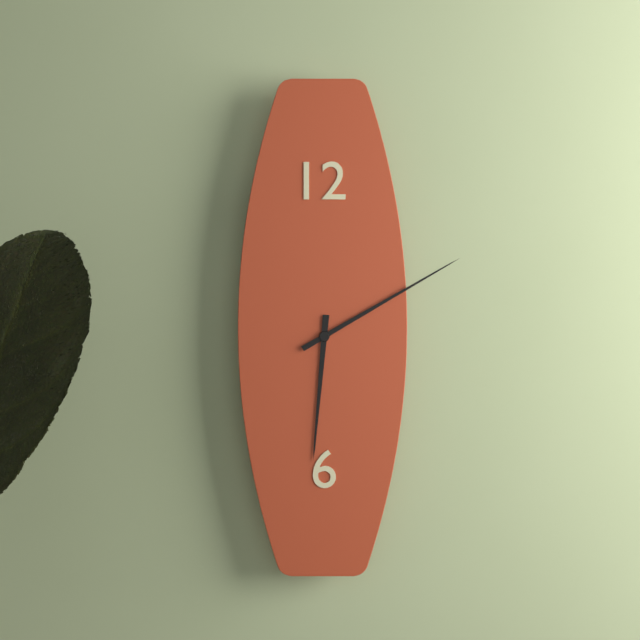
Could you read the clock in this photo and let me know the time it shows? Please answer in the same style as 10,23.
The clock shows 6,10
